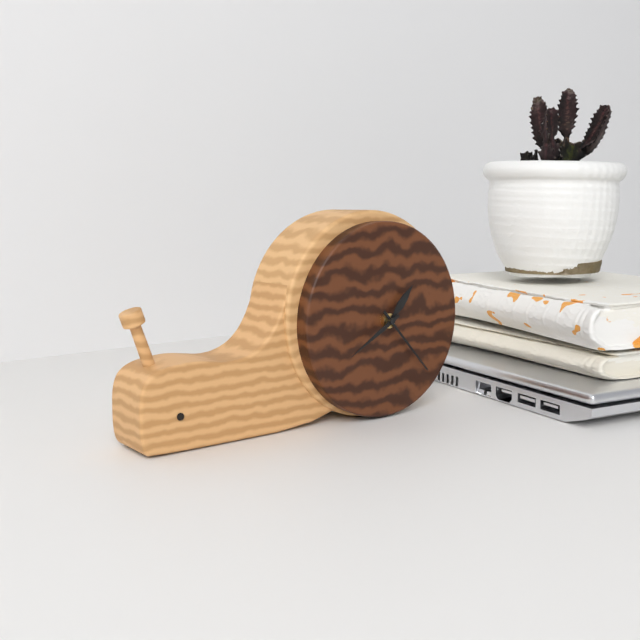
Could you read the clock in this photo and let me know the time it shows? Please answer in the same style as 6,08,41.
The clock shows 1,23,40
